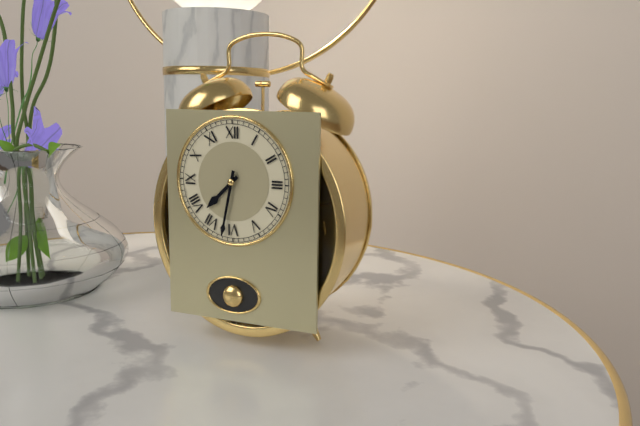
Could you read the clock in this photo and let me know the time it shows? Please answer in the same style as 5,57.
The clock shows 7,32
